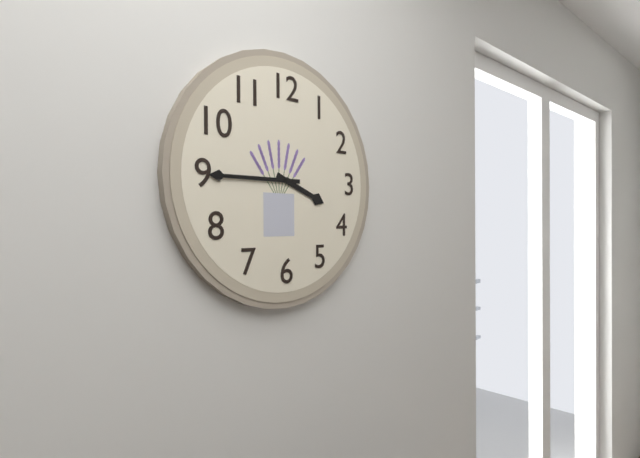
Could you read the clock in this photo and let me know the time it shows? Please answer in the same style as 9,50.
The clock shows 3,45
